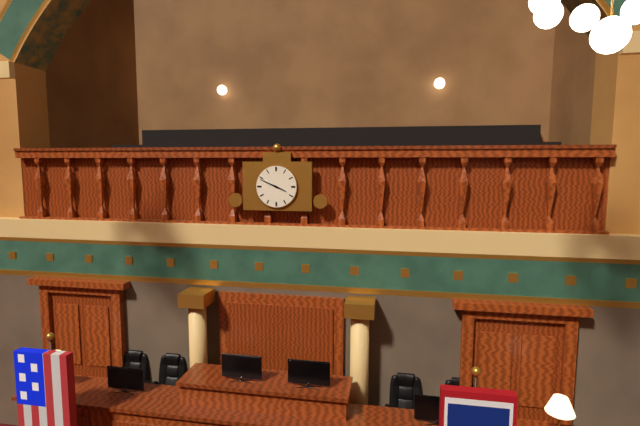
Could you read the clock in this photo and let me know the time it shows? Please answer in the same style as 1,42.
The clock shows 3,49
